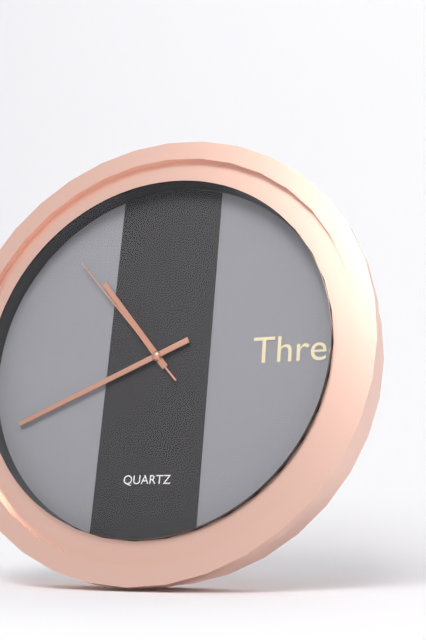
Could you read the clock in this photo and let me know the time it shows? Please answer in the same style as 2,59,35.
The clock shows 10,41,53
